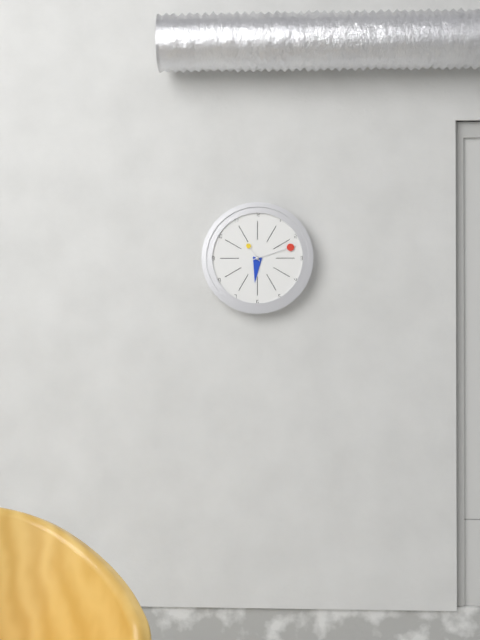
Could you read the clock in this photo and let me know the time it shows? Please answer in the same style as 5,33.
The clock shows 6,12
